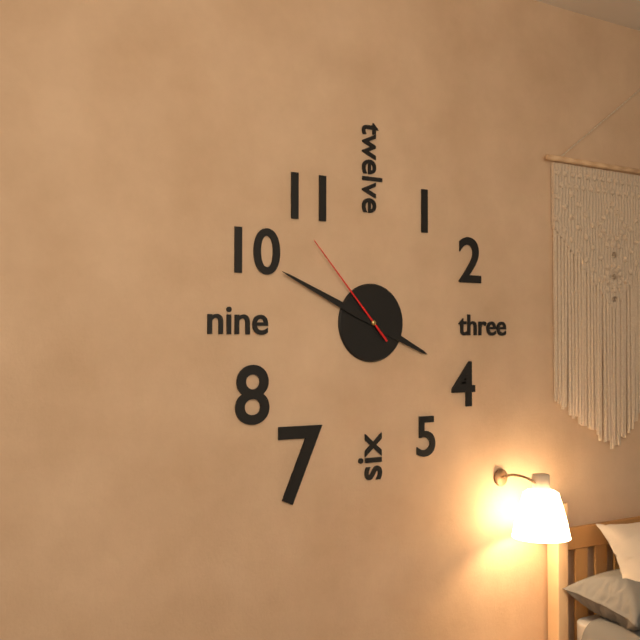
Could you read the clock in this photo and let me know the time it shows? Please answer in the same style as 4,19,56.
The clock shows 3,49,53
